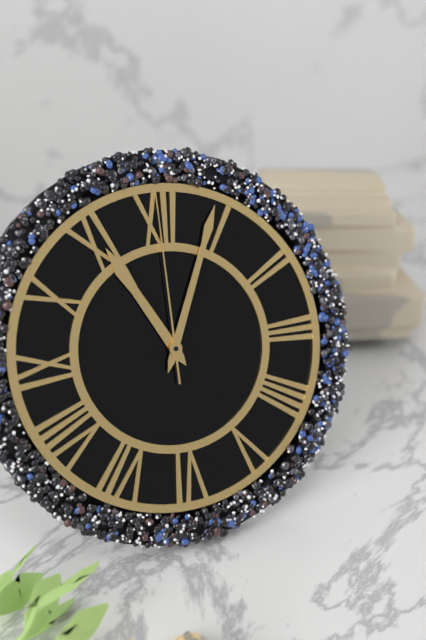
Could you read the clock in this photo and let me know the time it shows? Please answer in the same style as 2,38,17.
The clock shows 11,04,00
